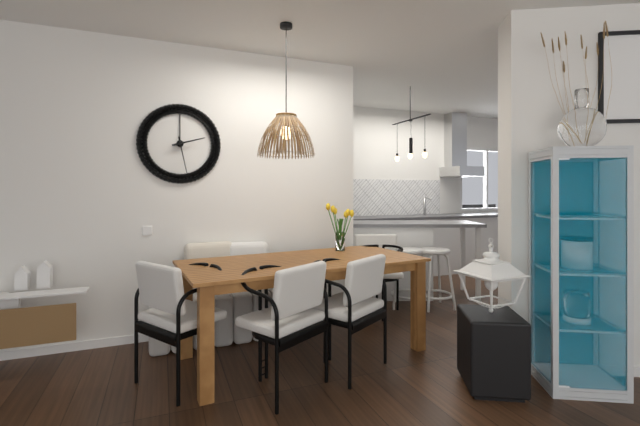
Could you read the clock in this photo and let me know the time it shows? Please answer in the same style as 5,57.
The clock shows 2,28
